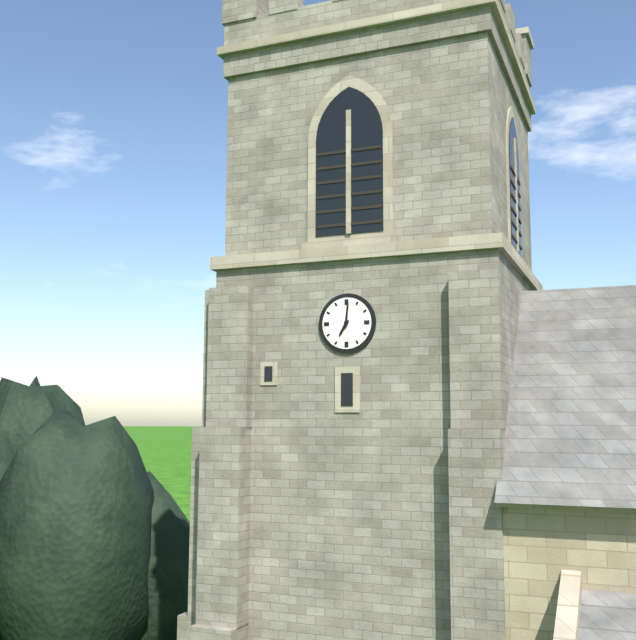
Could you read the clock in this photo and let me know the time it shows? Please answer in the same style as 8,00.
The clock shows 7,01
